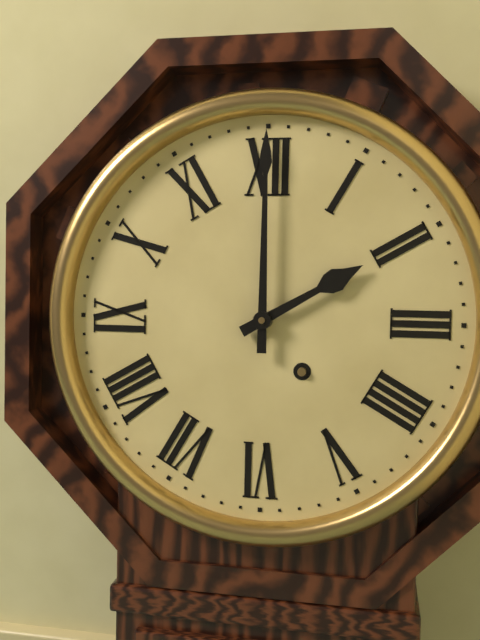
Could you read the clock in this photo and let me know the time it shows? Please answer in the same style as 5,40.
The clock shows 2,00
